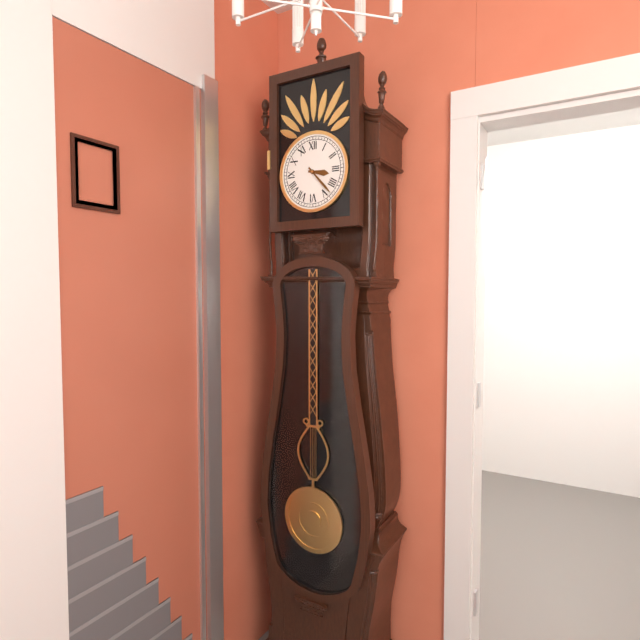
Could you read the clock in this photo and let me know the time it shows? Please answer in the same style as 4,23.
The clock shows 3,23
